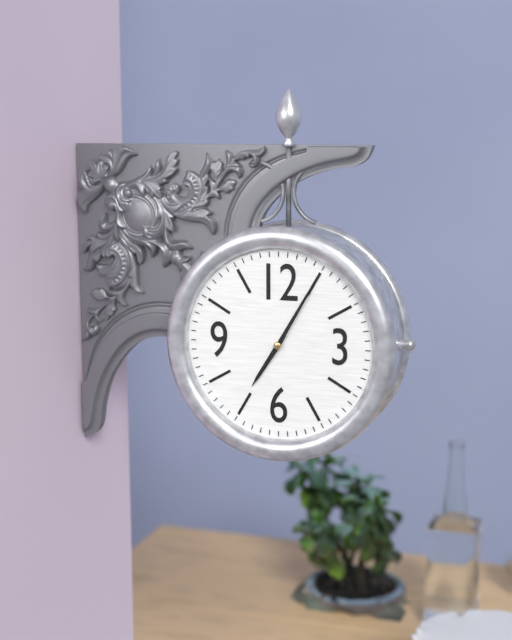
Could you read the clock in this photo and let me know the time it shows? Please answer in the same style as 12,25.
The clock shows 7,05
